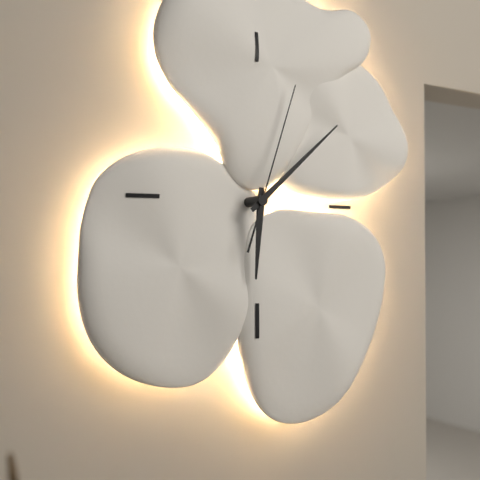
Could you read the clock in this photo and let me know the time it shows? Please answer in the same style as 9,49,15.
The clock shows 6,08,03
